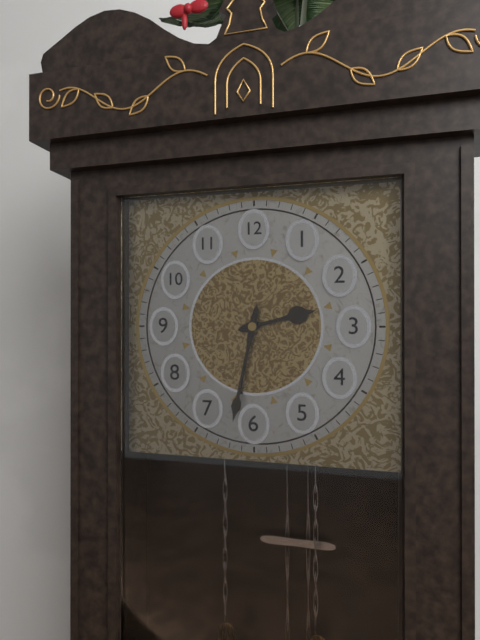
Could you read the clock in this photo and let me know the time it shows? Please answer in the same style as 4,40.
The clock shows 2,32
